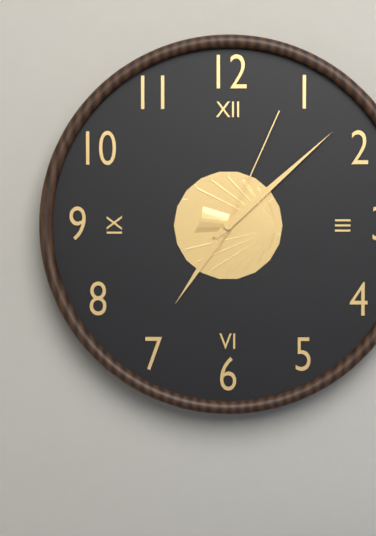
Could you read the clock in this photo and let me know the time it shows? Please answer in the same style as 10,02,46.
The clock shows 7,08,04
